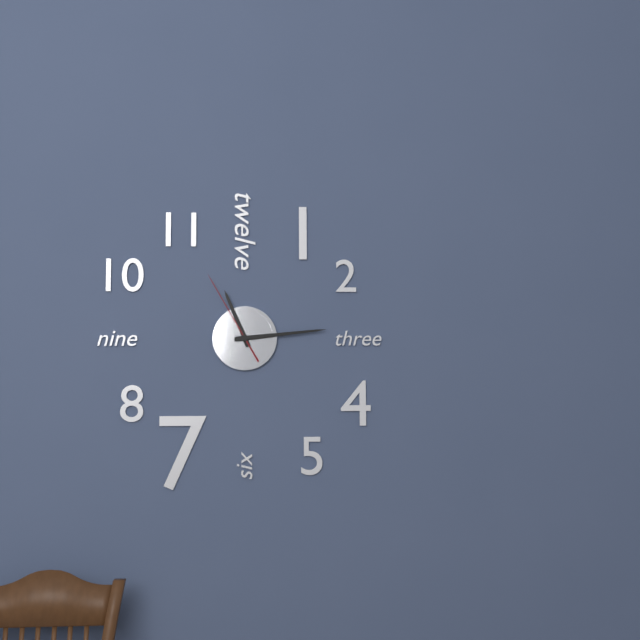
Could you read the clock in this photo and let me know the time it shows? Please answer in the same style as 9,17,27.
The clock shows 11,14,55
